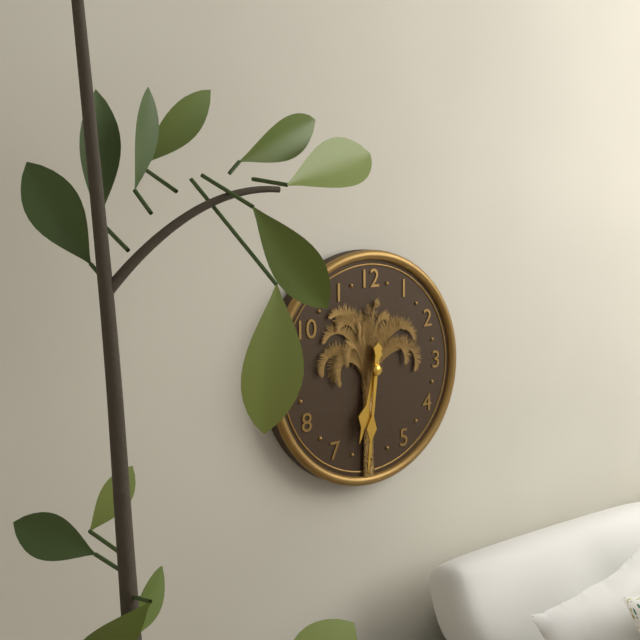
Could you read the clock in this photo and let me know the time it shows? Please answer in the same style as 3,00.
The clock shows 6,31
